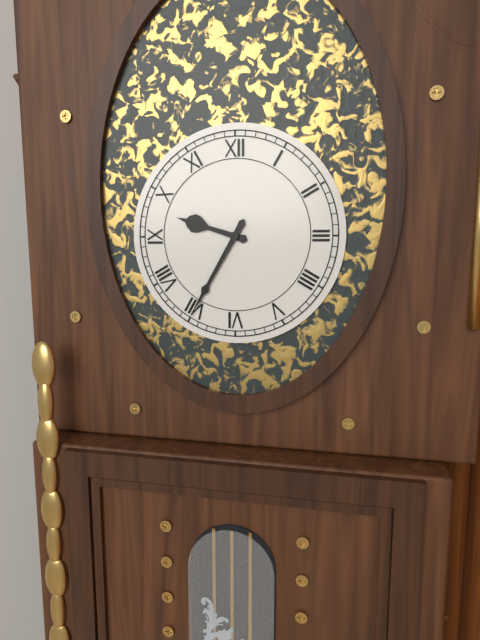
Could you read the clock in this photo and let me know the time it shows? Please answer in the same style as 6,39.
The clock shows 9,35
